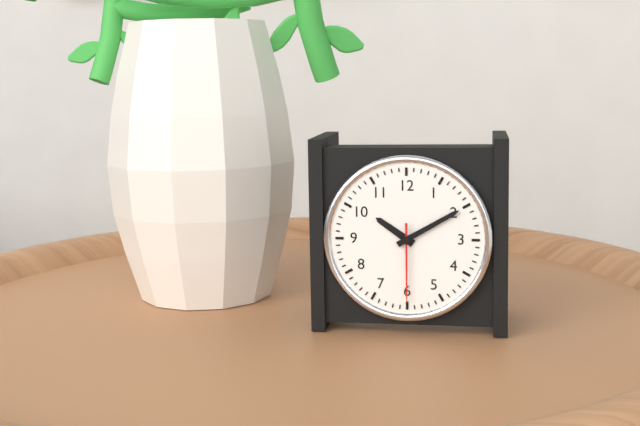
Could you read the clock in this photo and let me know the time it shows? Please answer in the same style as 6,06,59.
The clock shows 10,10,30
